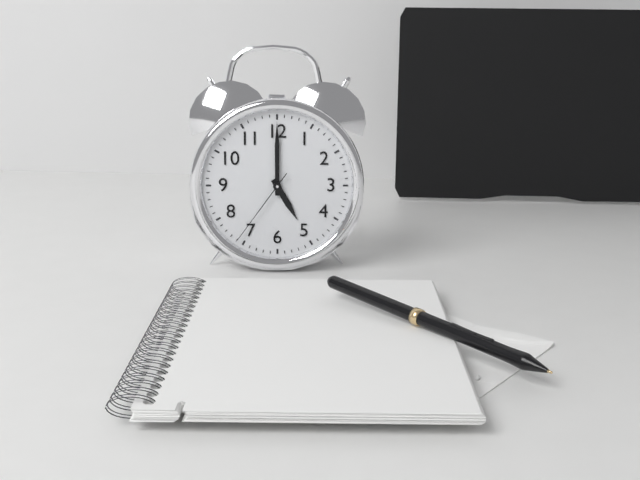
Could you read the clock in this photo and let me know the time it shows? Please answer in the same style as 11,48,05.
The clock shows 5,00,36
